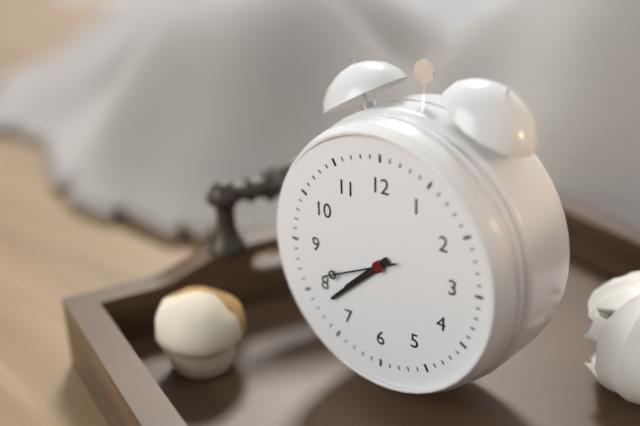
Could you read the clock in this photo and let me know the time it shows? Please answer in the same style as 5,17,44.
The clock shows 7,38,41
